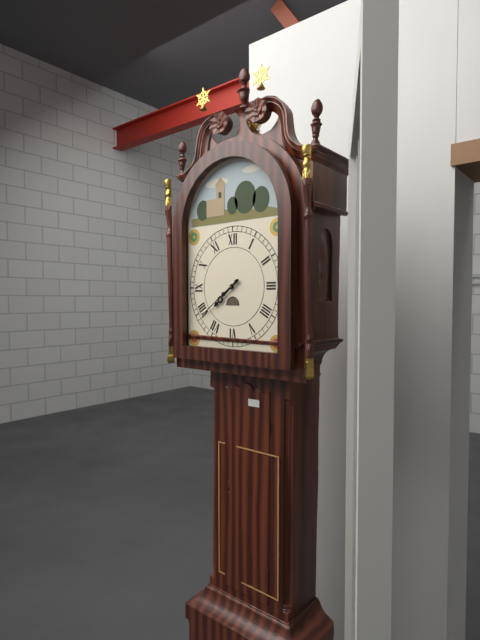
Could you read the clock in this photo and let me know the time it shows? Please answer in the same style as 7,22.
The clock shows 7,39
